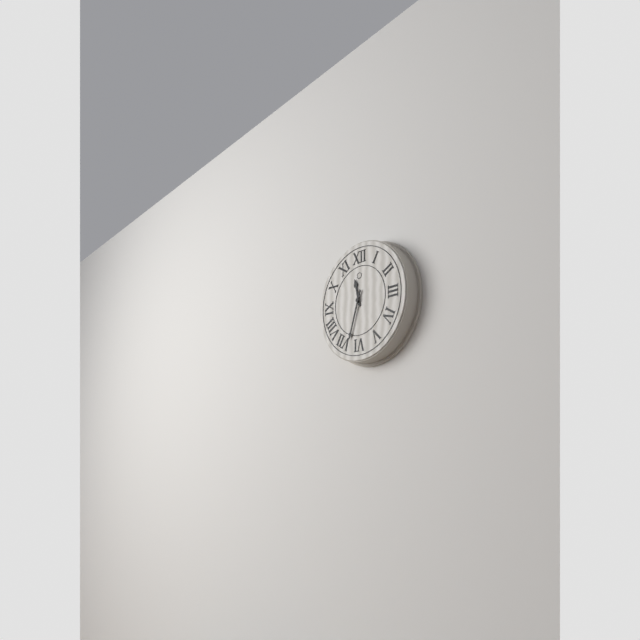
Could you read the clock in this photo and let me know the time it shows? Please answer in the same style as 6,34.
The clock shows 11,33
